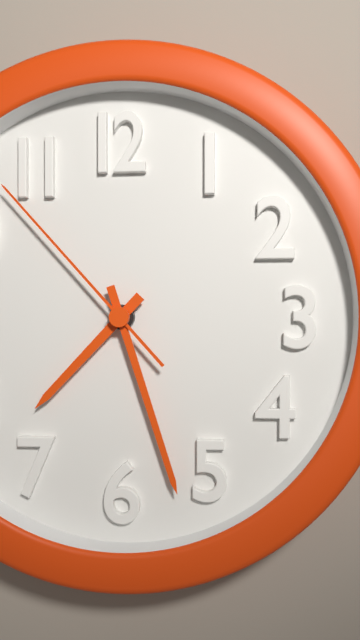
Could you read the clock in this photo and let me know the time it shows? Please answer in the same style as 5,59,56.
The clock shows 7,27,53
